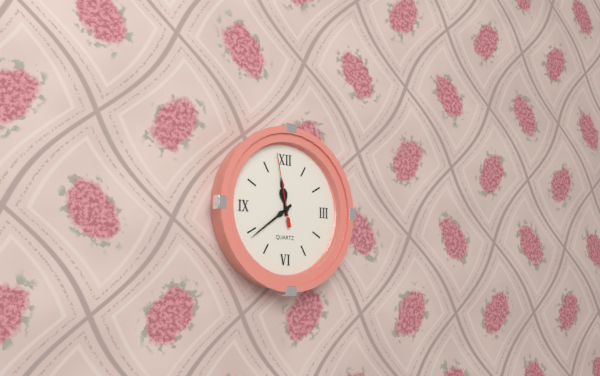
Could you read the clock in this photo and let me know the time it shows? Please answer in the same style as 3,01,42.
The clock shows 11,39,58
